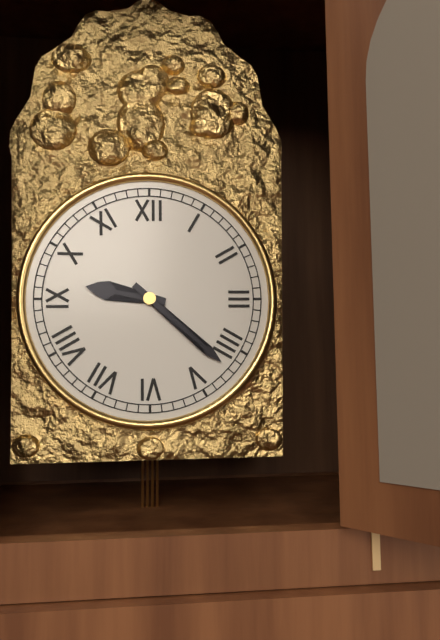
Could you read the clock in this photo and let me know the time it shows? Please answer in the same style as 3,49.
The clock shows 9,22
